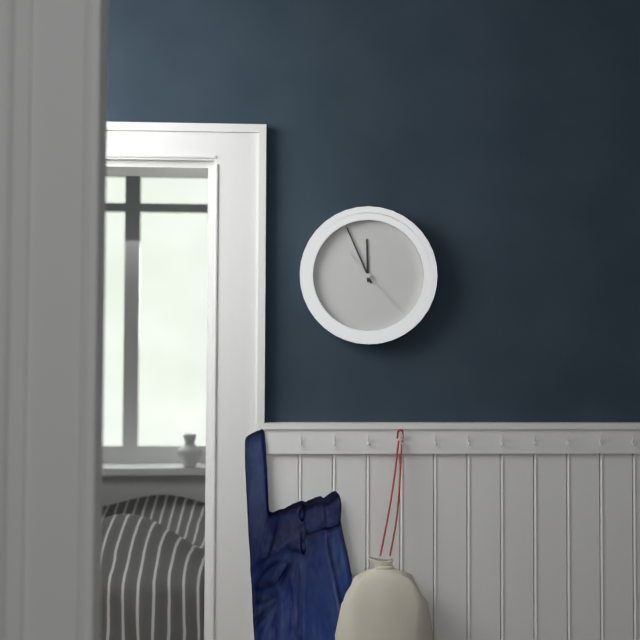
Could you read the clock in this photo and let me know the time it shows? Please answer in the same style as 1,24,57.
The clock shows 11,56,23
